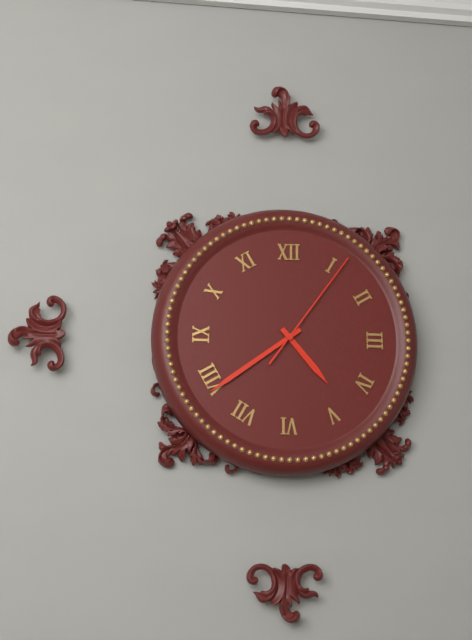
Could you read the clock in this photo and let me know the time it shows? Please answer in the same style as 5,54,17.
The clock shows 4,39,06
